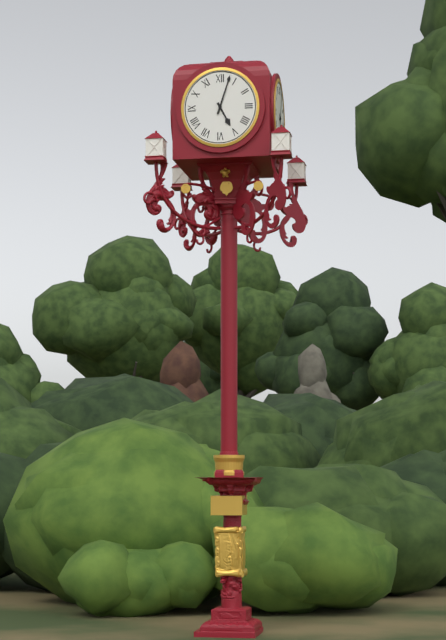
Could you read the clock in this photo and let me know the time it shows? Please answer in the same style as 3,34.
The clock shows 5,03
